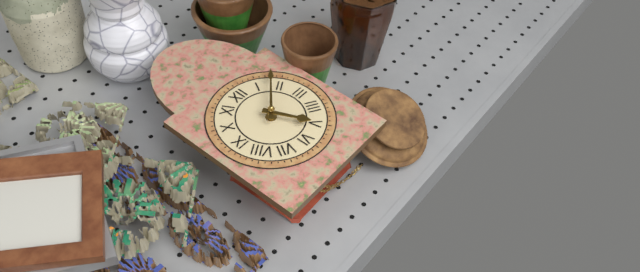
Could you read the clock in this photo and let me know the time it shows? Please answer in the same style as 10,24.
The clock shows 5,08
